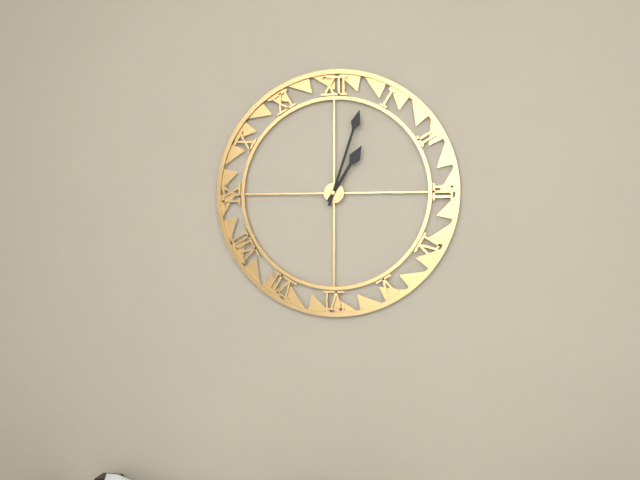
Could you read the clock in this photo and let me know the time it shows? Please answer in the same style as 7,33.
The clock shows 1,03
